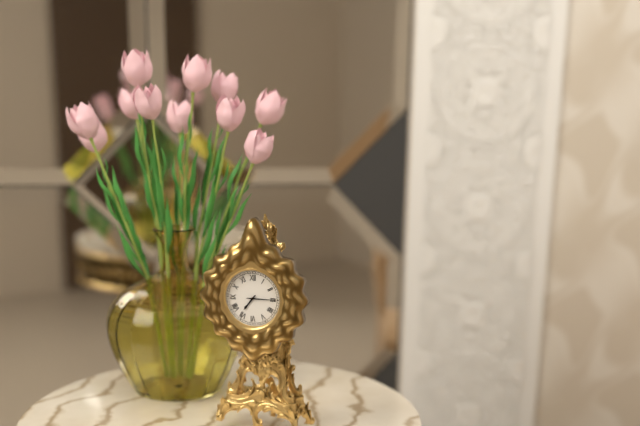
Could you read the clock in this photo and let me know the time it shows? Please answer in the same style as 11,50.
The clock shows 7,15
